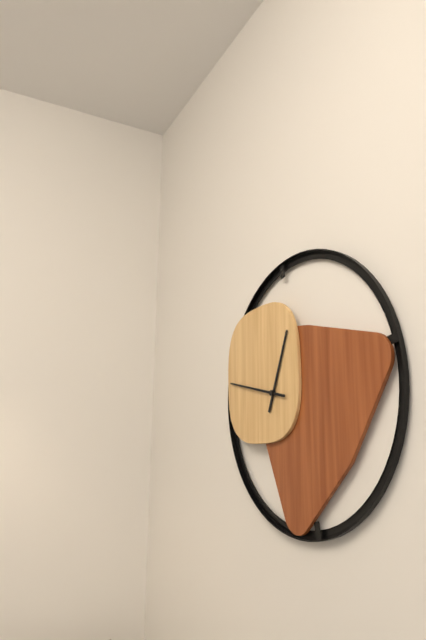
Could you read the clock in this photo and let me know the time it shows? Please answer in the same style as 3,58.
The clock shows 12,47
